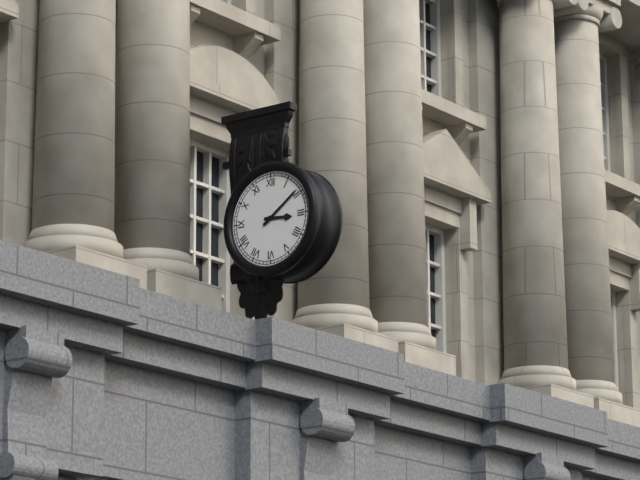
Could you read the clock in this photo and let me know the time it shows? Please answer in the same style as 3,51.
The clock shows 3,09
